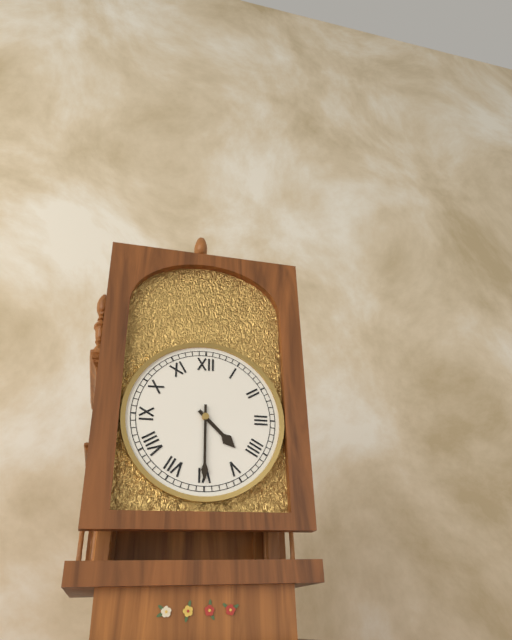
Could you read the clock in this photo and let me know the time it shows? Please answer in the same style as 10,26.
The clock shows 4,30
